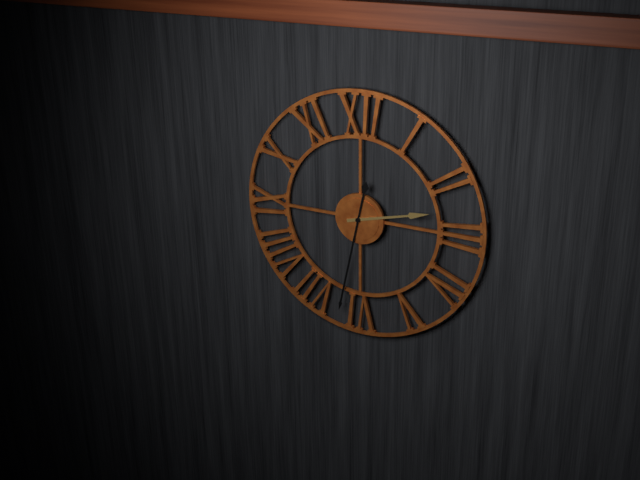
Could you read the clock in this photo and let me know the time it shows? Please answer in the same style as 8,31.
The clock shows 2,32
